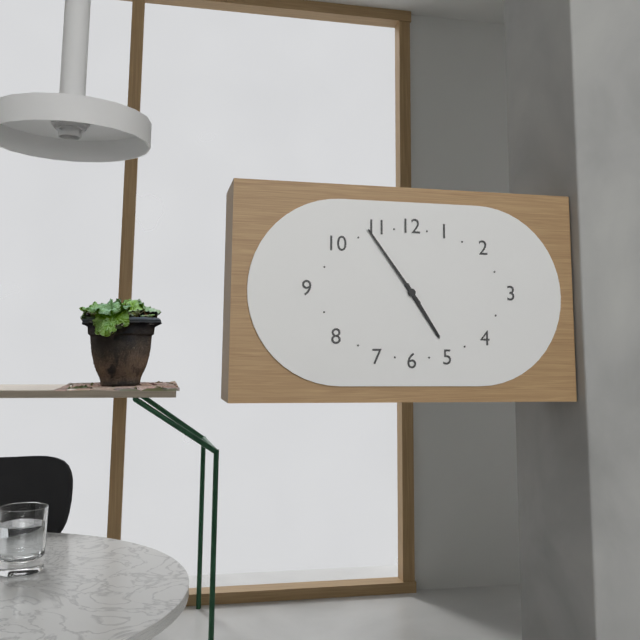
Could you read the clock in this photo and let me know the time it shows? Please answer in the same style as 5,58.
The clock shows 4,54
